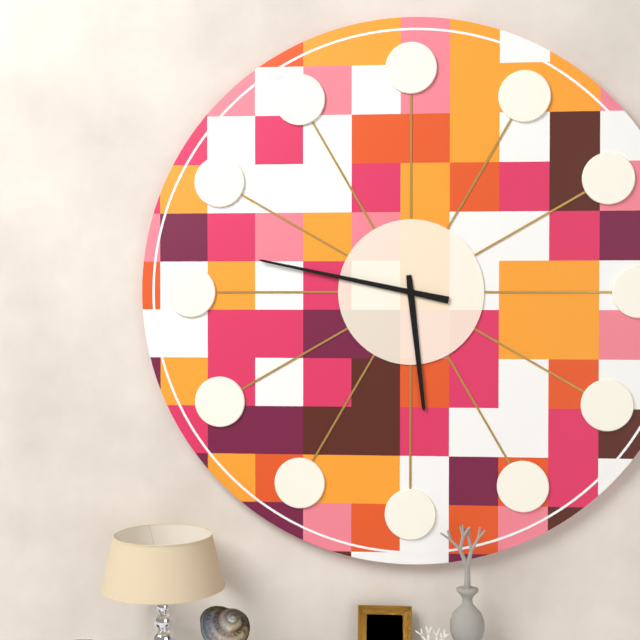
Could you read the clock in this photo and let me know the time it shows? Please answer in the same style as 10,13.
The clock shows 5,47
